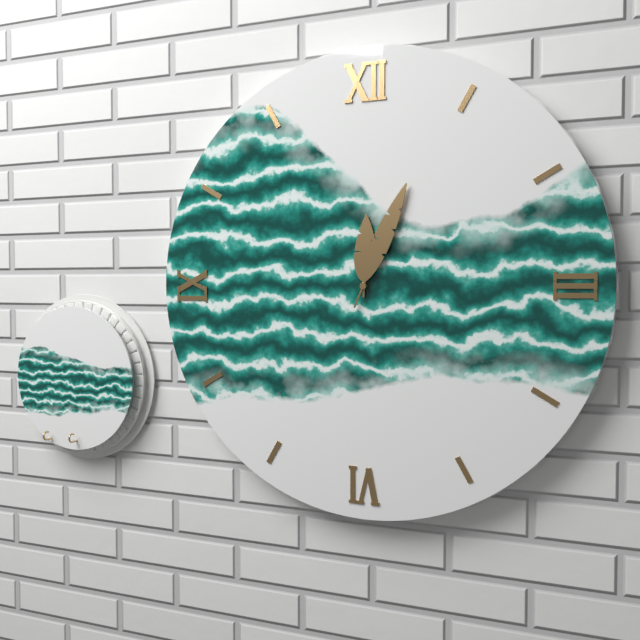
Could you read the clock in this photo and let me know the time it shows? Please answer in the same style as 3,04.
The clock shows 12,04
